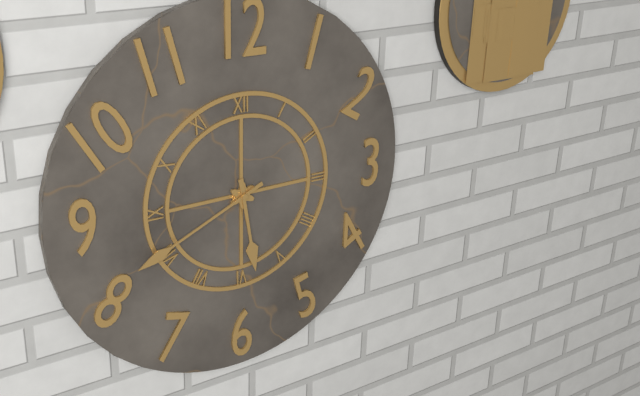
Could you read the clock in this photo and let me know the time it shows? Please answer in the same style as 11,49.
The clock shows 5,41
